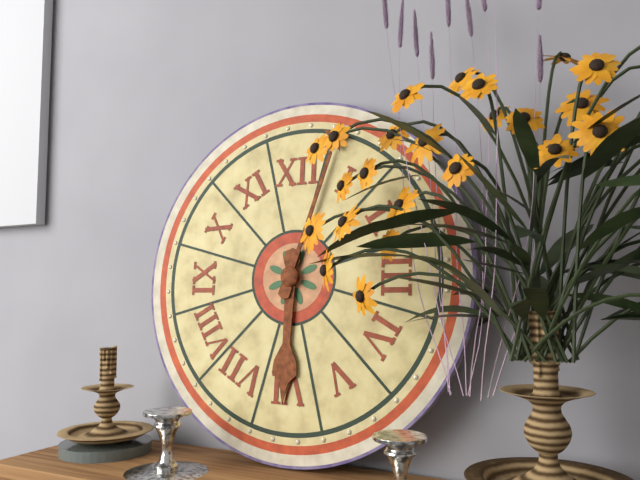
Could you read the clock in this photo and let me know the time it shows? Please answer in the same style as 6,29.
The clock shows 6,03
